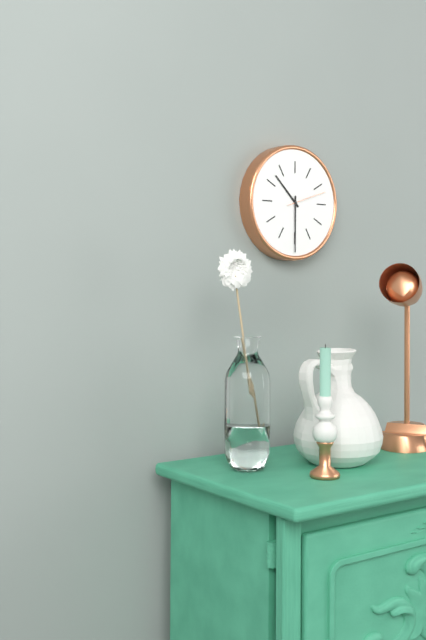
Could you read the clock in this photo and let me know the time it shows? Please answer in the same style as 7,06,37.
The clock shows 10,30,12
